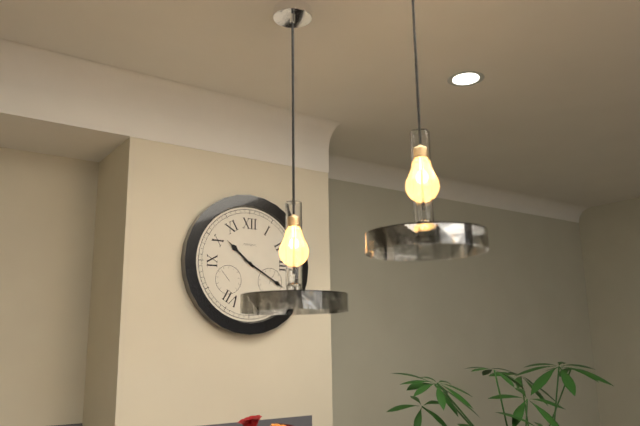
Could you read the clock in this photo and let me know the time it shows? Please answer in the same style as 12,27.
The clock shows 10,20
